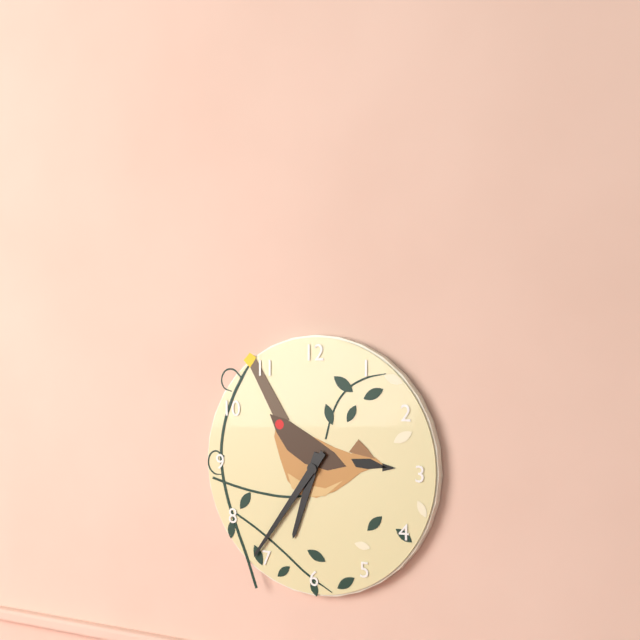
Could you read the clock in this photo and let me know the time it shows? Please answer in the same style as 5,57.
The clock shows 6,36
